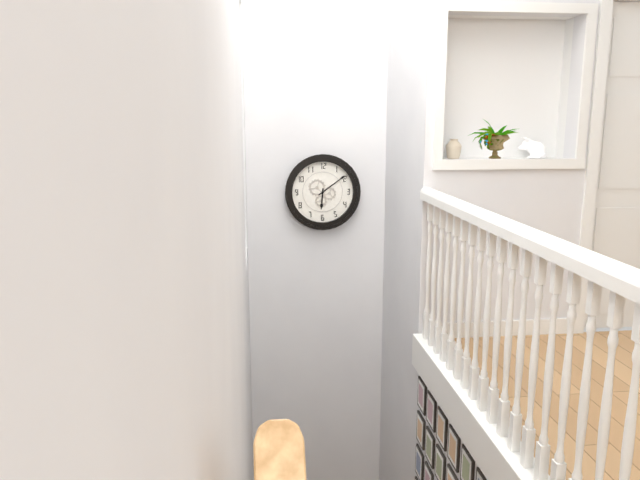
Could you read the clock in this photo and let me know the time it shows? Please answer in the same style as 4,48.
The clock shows 6,09
